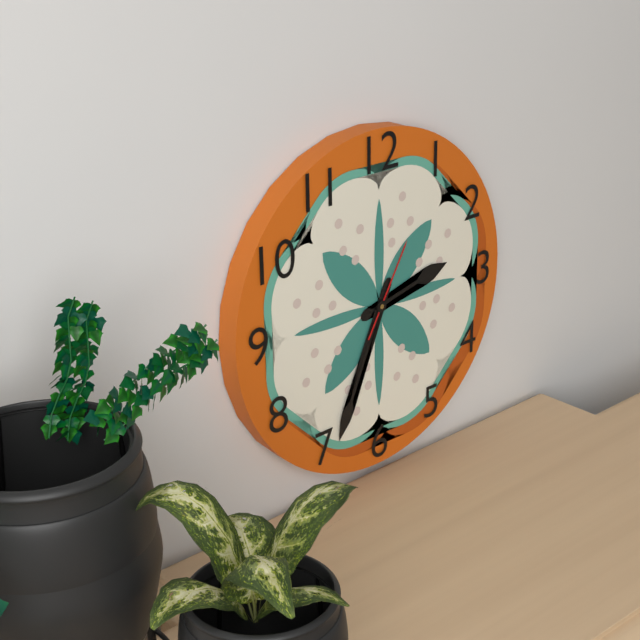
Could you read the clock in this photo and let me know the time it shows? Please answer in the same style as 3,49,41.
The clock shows 2,34,05
